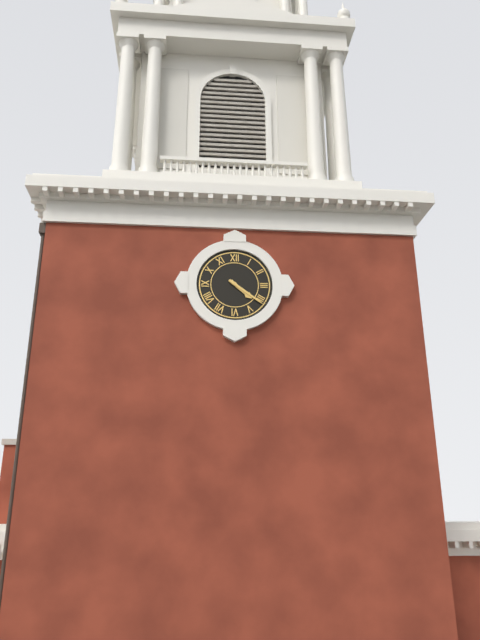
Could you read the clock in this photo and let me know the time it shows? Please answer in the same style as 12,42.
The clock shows 4,21
